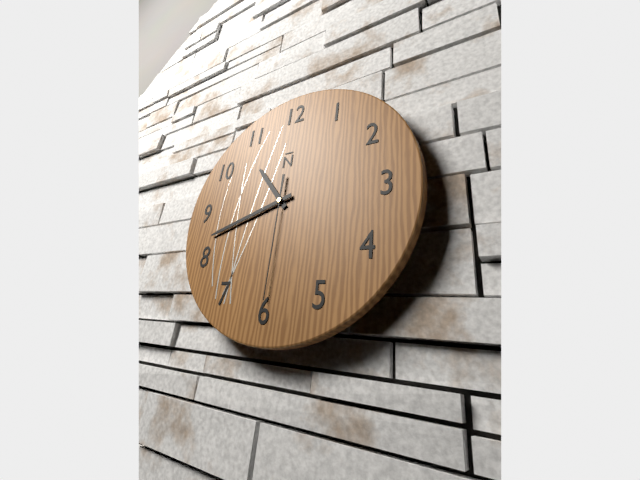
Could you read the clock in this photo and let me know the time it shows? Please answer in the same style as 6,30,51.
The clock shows 10,42,30
